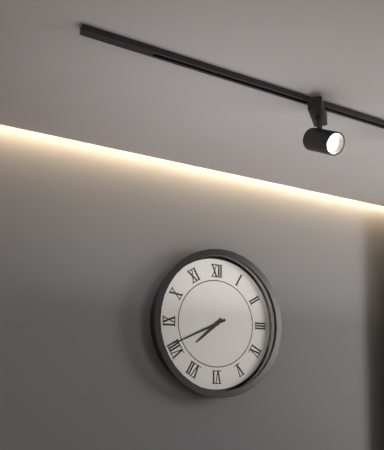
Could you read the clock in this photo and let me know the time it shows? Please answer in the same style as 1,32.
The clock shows 7,41
